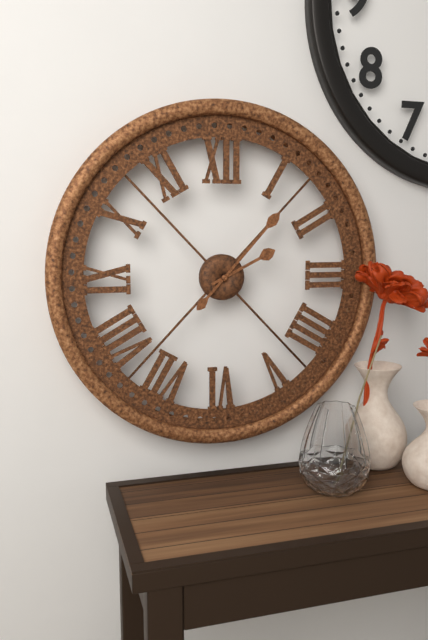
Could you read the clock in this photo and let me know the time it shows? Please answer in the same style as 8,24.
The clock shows 2,07
